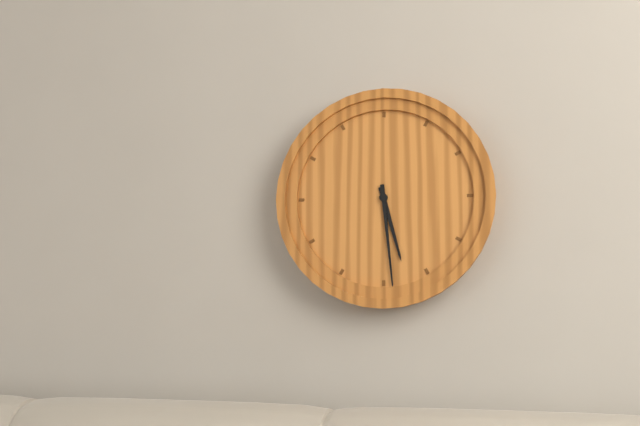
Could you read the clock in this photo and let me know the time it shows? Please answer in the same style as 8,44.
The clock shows 5,29
